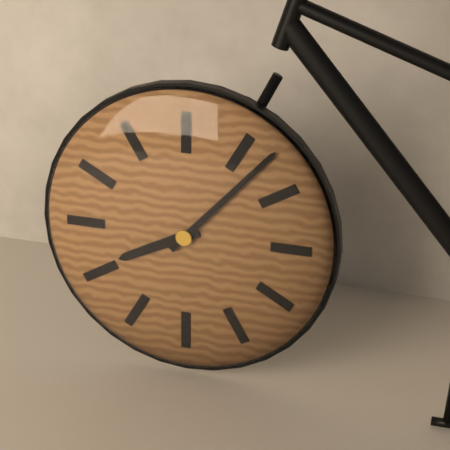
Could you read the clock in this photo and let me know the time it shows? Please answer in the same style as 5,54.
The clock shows 8,07
